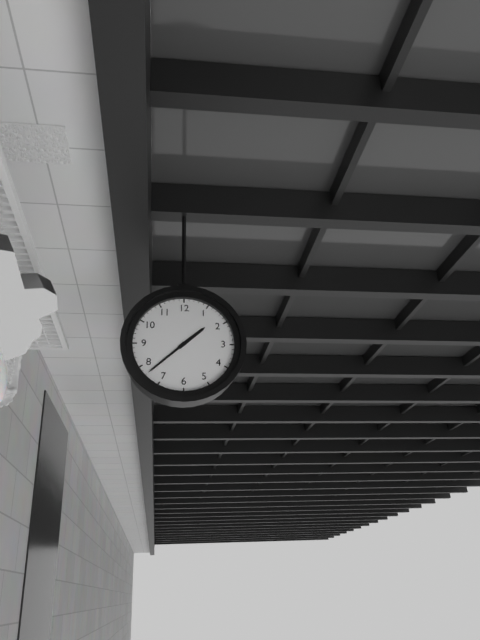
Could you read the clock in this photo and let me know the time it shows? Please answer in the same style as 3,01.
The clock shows 1,38
